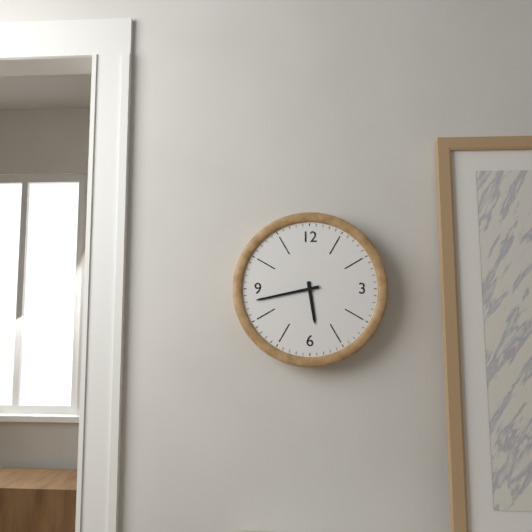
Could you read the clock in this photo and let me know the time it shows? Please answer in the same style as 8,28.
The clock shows 5,43
